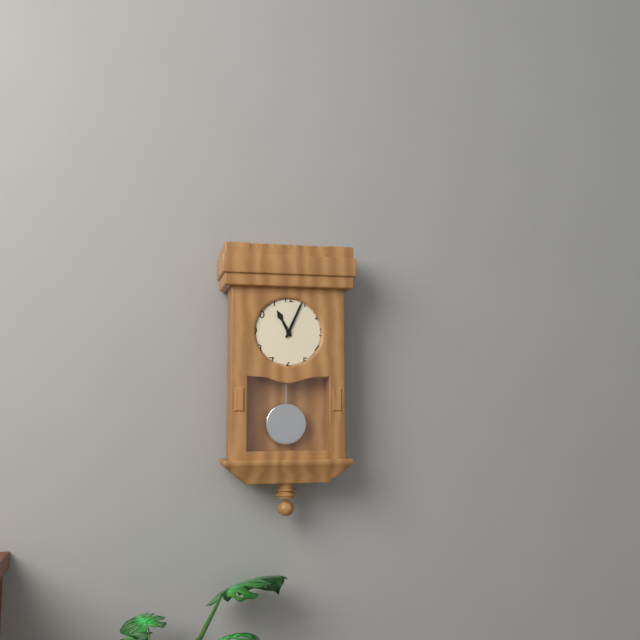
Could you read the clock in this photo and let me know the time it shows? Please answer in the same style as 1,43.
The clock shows 11,04
